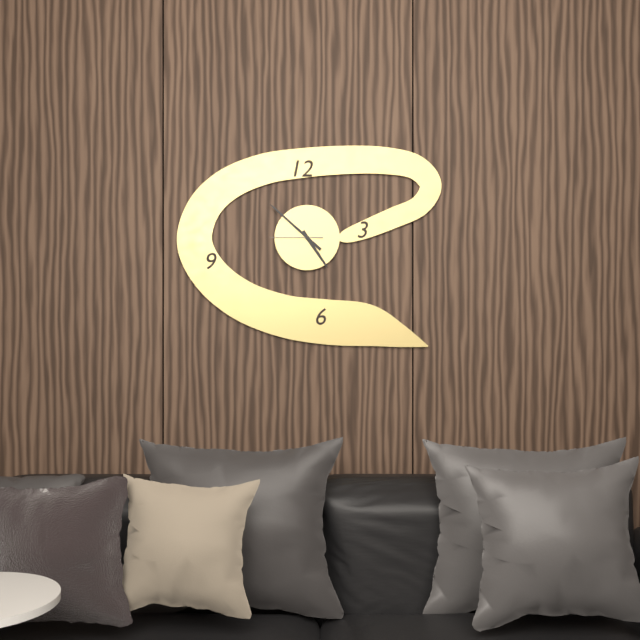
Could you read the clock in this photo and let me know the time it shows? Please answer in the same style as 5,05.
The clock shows 4,52
